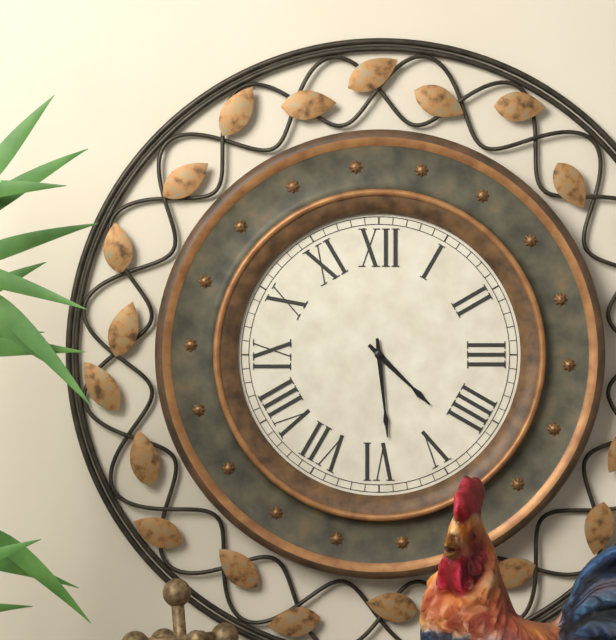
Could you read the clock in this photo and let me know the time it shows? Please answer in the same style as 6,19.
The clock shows 4,29
